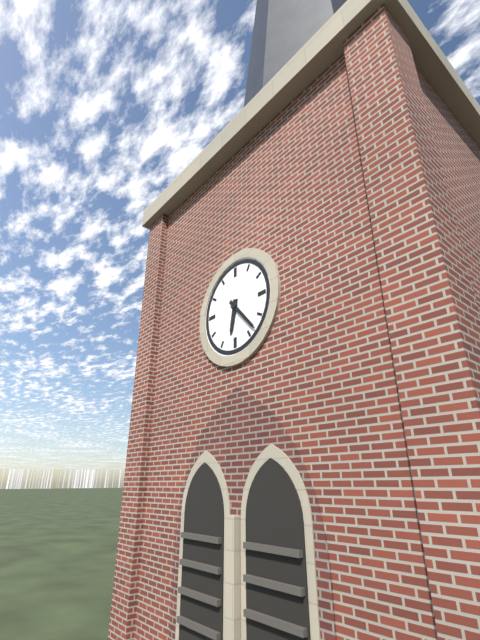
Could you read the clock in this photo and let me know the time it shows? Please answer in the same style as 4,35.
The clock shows 6,23
